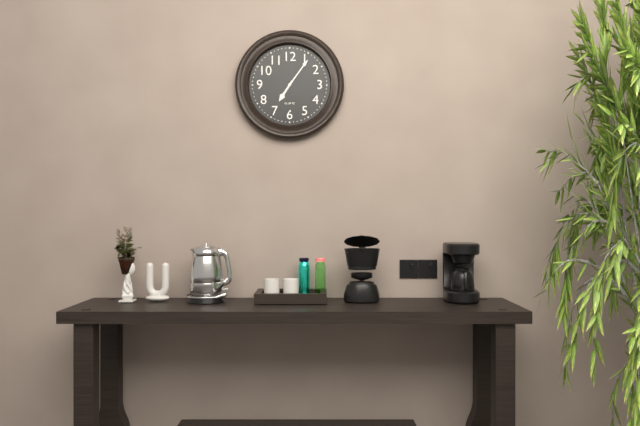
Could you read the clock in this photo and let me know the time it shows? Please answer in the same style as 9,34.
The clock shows 7,06
